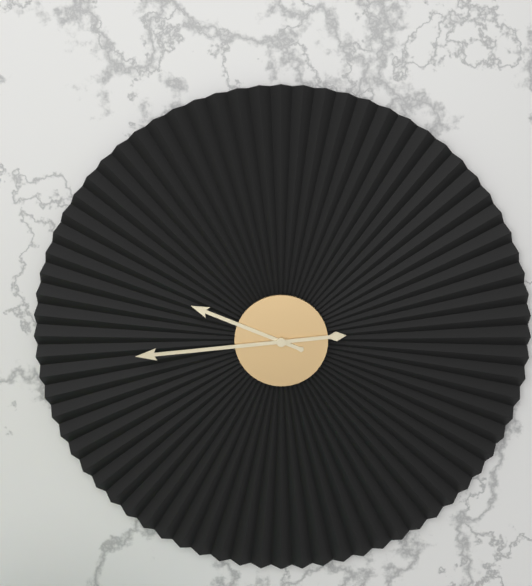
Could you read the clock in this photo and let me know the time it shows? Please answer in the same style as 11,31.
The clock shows 9,44
